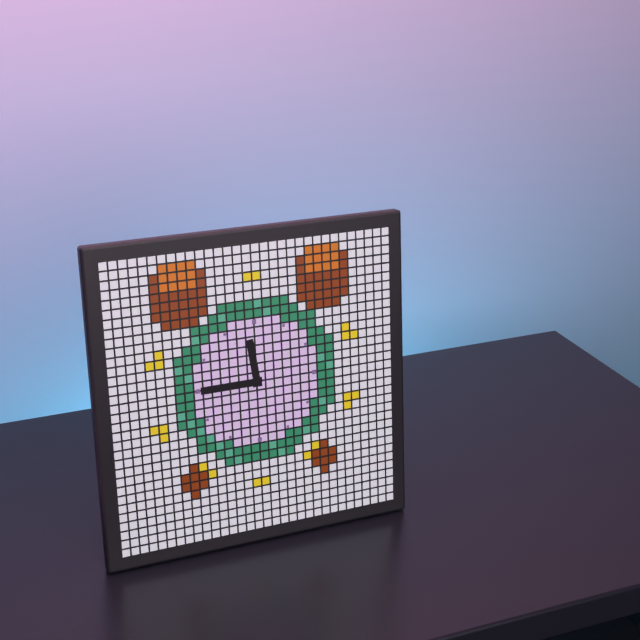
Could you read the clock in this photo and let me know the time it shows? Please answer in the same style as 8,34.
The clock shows 11,45
